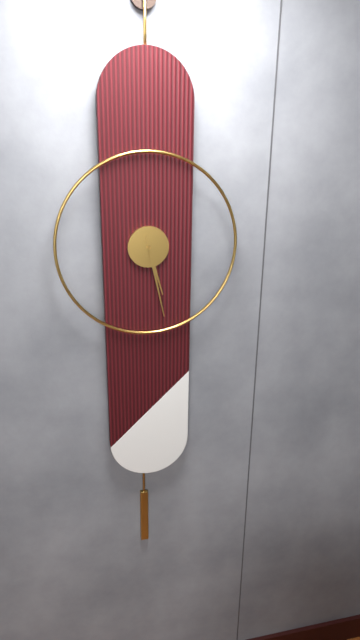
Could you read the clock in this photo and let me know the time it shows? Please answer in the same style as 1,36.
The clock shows 5,28
